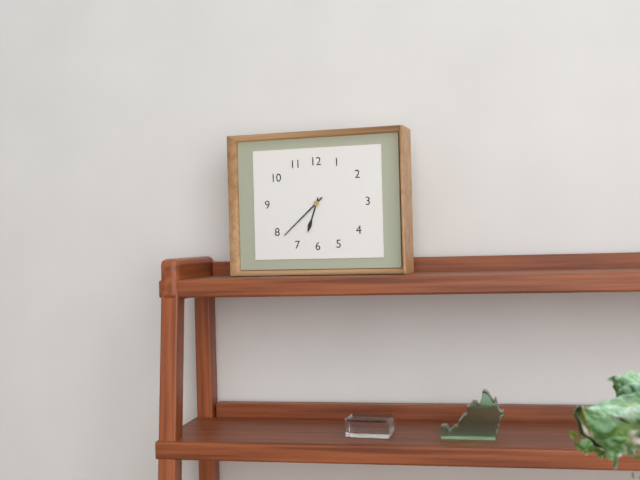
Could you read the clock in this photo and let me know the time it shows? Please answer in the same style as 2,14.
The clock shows 6,38
